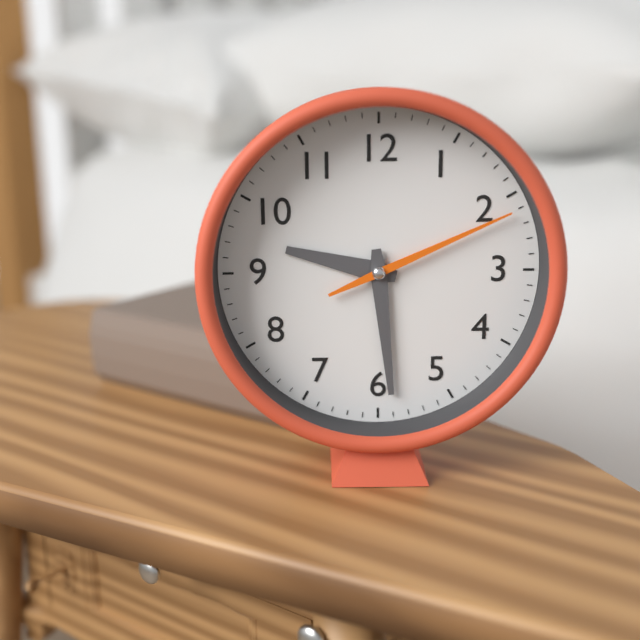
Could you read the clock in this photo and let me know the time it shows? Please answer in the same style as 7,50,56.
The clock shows 9,29,11
